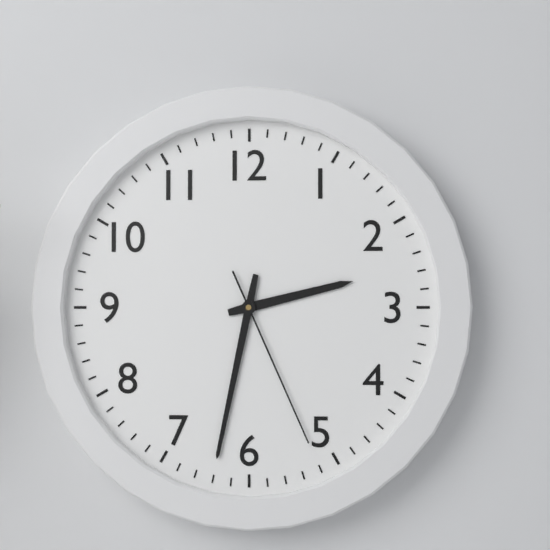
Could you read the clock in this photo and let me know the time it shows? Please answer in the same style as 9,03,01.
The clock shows 2,32,26
